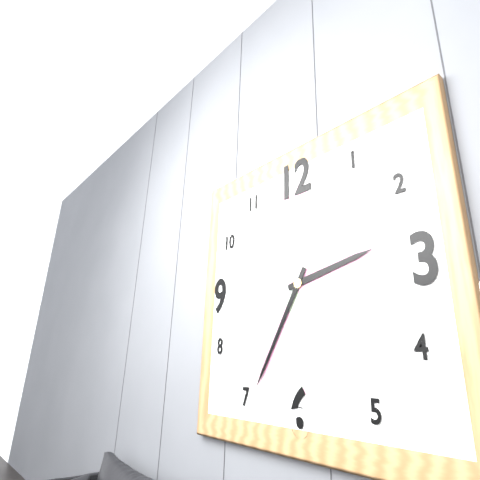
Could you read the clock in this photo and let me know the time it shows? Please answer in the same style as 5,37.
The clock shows 2,35
